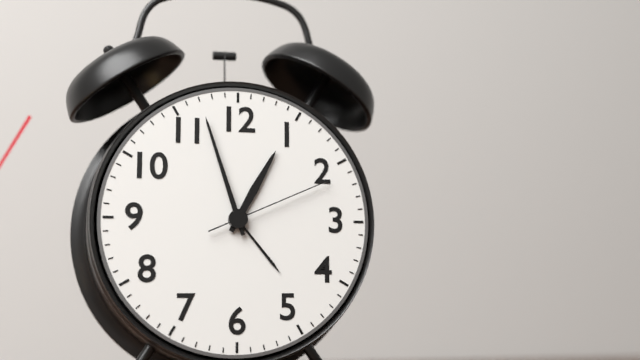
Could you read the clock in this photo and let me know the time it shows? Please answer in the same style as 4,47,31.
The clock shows 12,57,11
